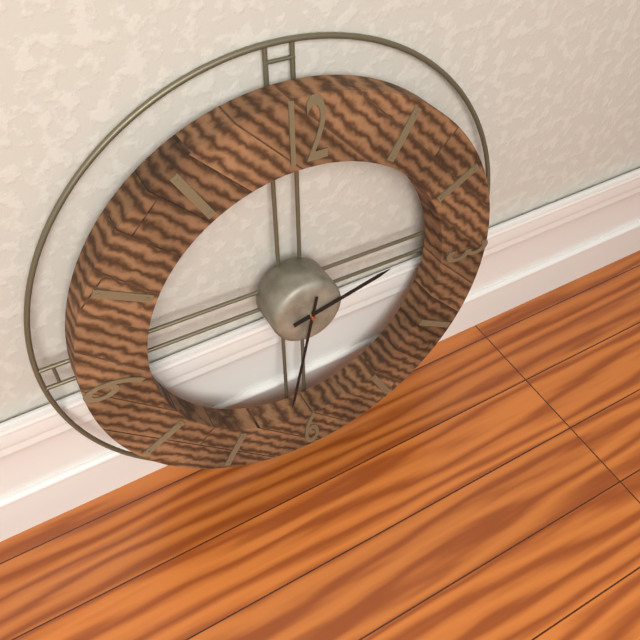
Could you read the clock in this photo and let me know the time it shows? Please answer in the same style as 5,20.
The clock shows 2,32
